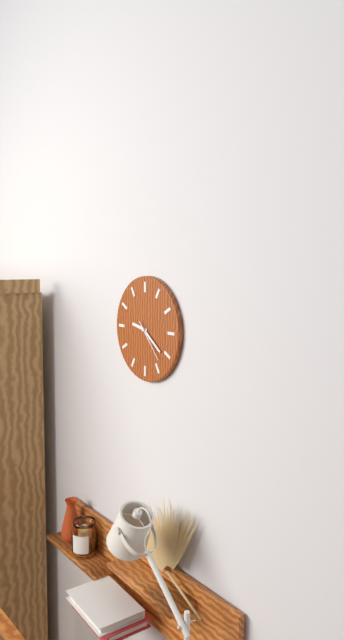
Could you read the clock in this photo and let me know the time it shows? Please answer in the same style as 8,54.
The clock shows 9,21
